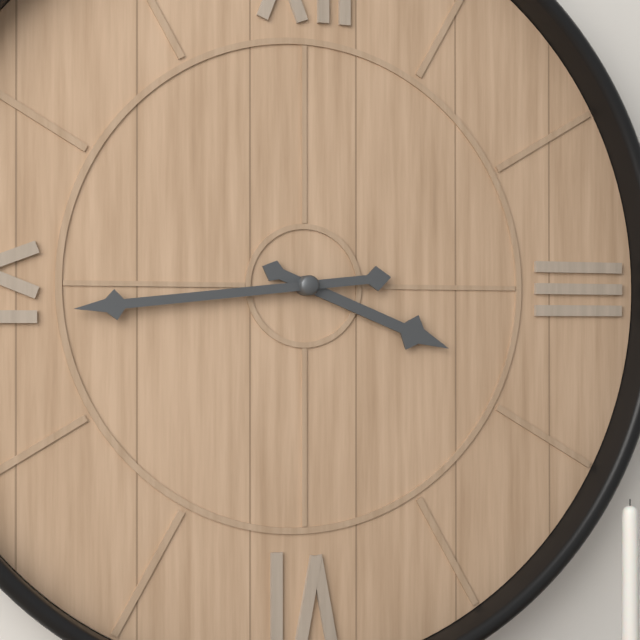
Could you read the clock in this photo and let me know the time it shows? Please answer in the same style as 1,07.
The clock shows 3,44
